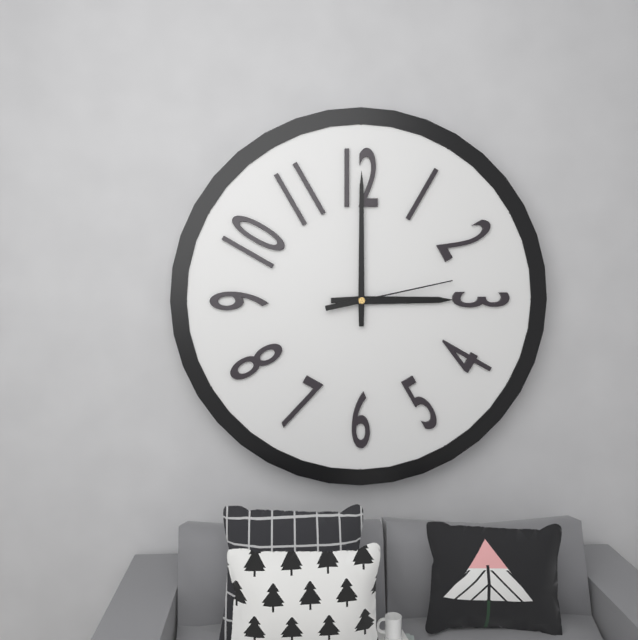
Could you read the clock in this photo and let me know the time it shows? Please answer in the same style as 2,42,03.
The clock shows 3,00,13
